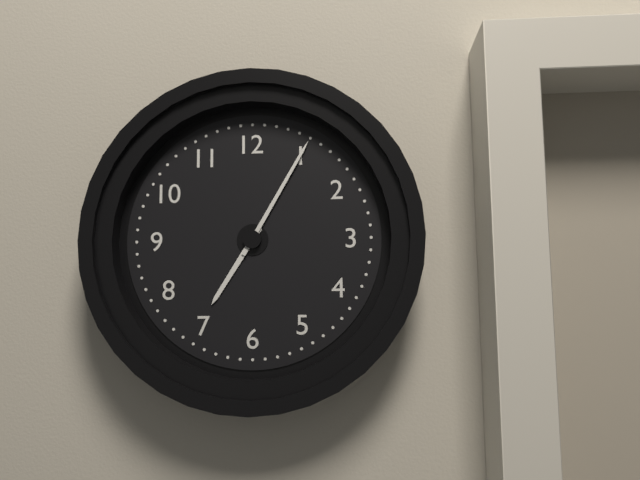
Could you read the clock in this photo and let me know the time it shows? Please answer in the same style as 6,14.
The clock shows 7,05
